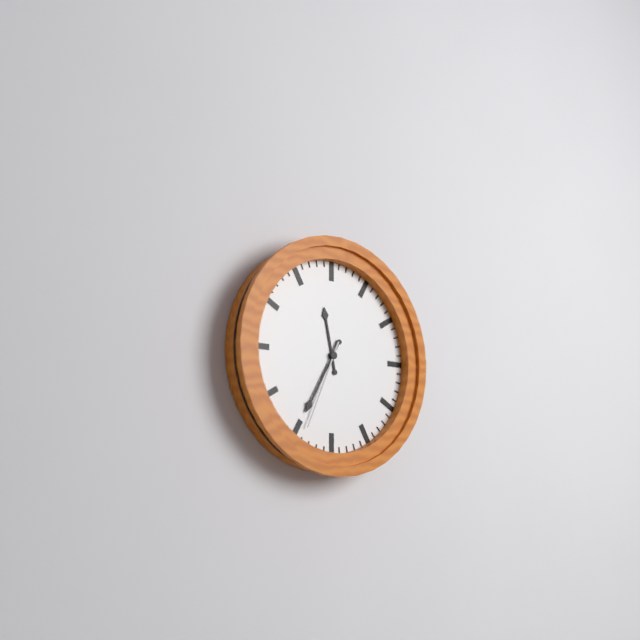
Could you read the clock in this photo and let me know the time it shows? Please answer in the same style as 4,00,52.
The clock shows 11,35,34
